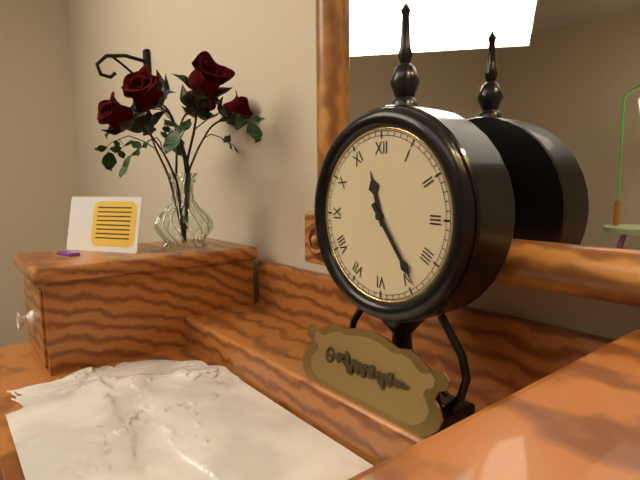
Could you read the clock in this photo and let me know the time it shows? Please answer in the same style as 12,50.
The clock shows 11,24
